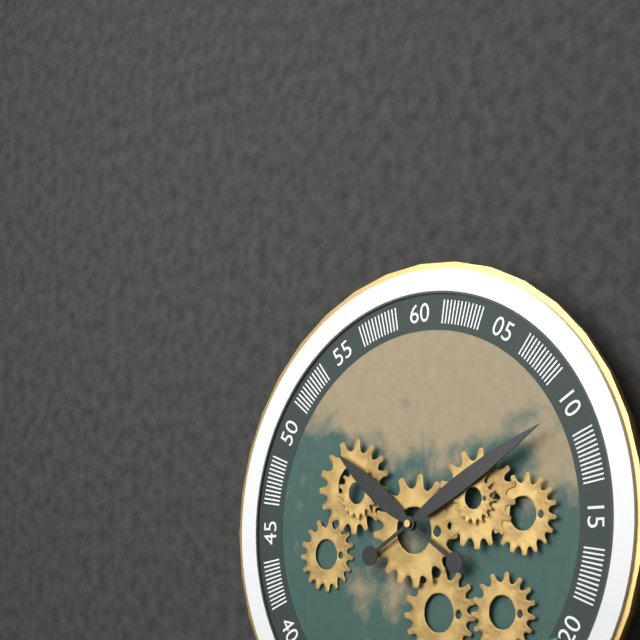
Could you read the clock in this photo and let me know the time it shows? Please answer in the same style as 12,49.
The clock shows 10,10
